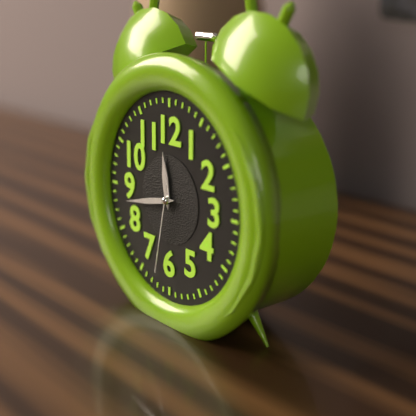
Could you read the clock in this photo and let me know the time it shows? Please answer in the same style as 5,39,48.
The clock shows 11,43,32
